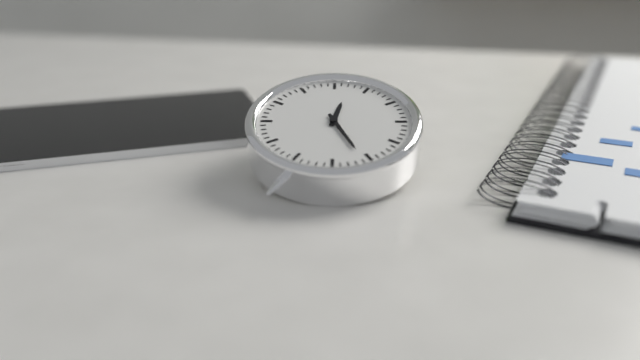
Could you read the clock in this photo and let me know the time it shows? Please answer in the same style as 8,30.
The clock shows 12,26
